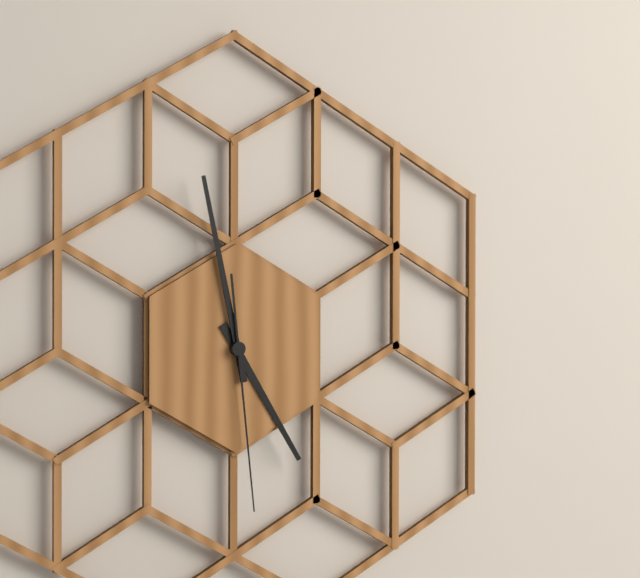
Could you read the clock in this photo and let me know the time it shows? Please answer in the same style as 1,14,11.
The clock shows 4,58,29
